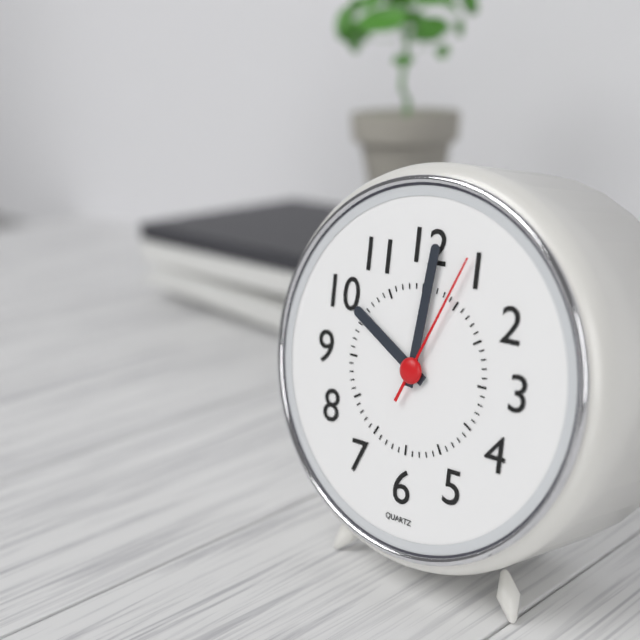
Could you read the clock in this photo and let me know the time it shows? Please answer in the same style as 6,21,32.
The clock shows 10,01,04
